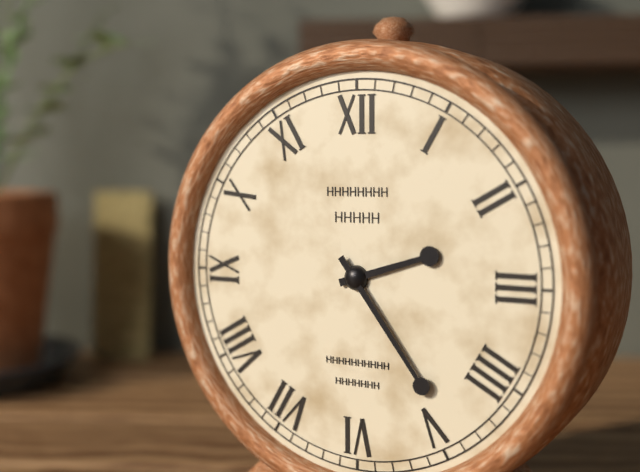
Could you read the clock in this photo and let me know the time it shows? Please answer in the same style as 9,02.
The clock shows 2,24
